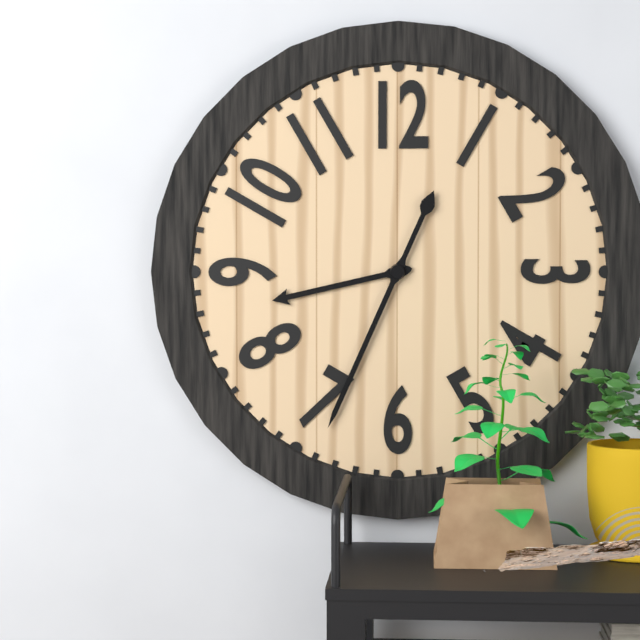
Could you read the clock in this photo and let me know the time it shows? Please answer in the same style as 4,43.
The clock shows 8,34
